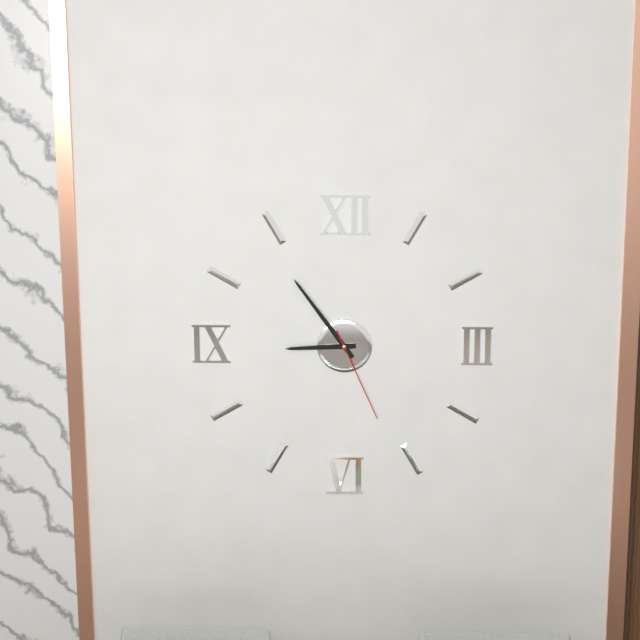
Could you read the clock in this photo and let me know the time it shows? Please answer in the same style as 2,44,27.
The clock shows 8,54,26
